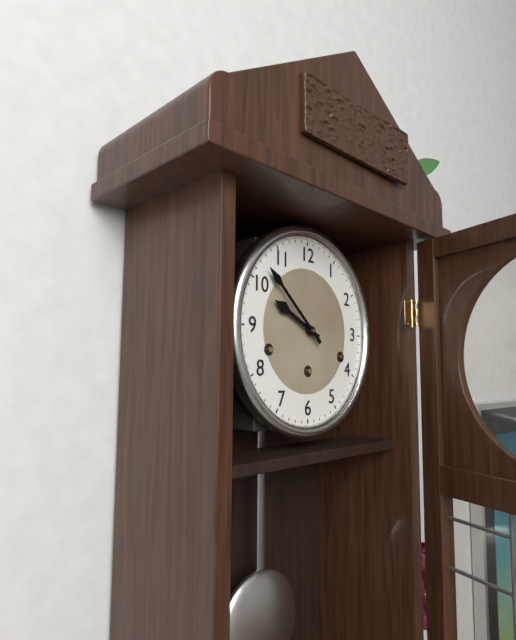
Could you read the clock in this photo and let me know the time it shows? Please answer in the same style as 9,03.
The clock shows 9,52
